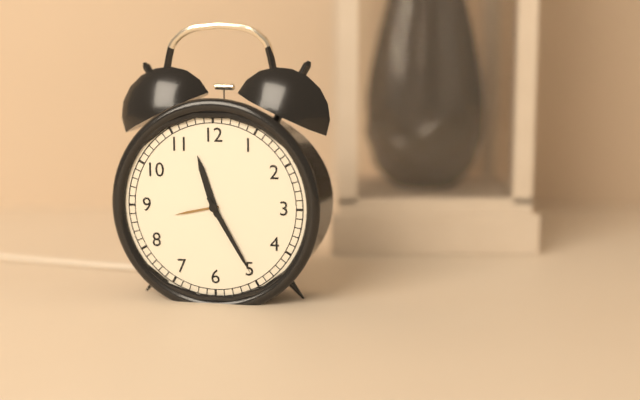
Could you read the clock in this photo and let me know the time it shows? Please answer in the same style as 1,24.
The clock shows 11,25
